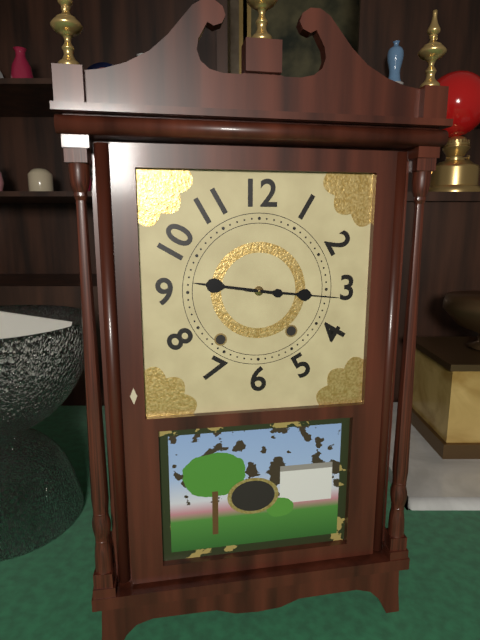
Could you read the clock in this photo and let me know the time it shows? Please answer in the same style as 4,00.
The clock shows 9,16
